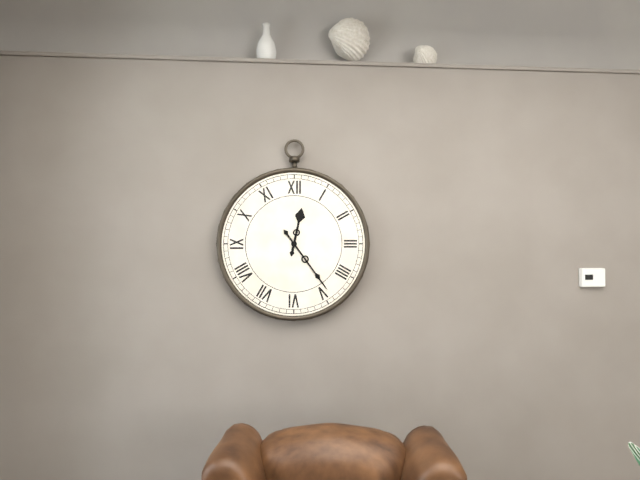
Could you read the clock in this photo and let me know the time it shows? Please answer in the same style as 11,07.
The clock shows 12,24
